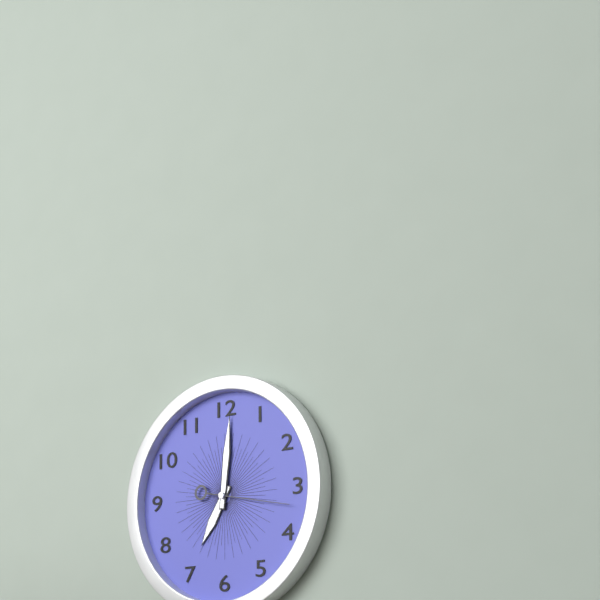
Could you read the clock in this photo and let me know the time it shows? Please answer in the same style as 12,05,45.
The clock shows 7,01,17
